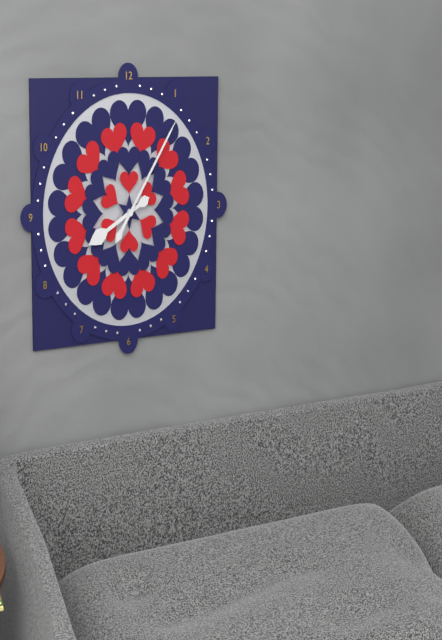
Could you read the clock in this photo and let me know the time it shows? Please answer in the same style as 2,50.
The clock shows 8,06
